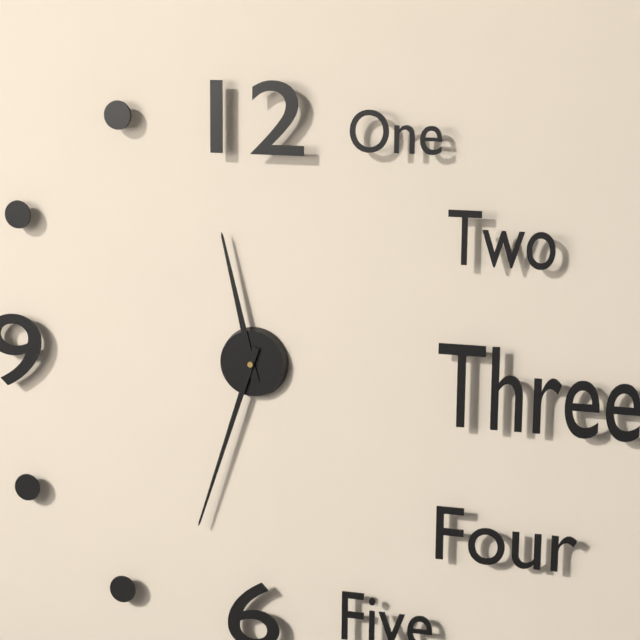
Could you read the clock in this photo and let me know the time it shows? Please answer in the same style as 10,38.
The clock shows 11,33
